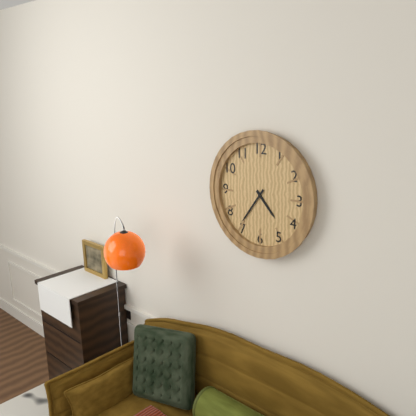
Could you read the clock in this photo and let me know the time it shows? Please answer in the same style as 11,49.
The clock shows 4,36
